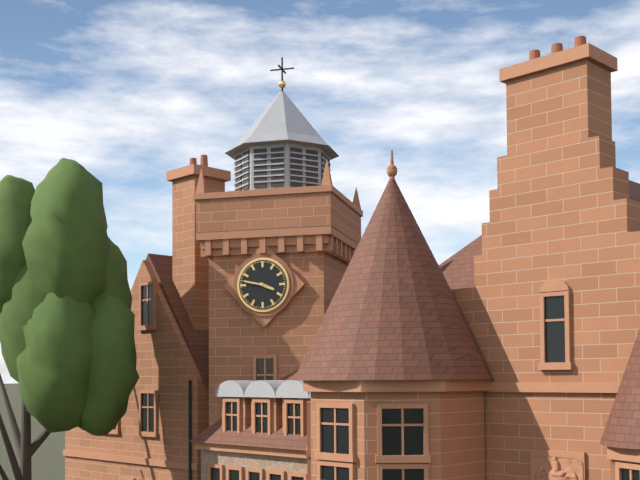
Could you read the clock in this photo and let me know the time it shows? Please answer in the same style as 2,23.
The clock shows 3,47
